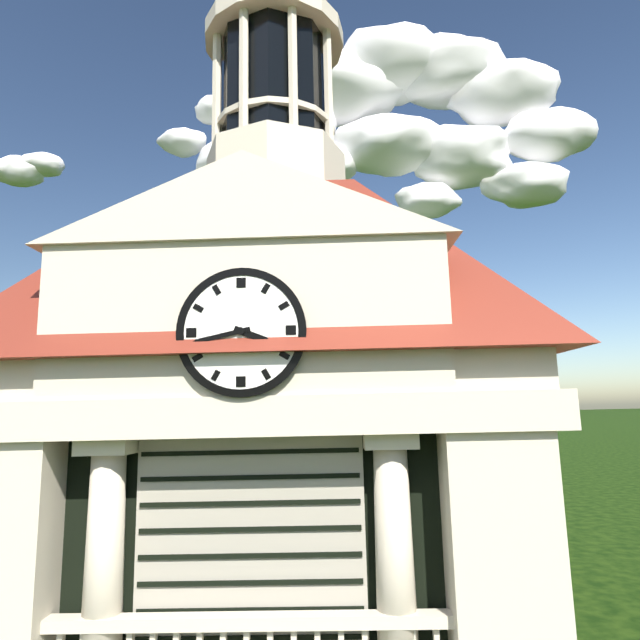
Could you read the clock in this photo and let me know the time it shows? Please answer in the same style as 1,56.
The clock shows 3,43
